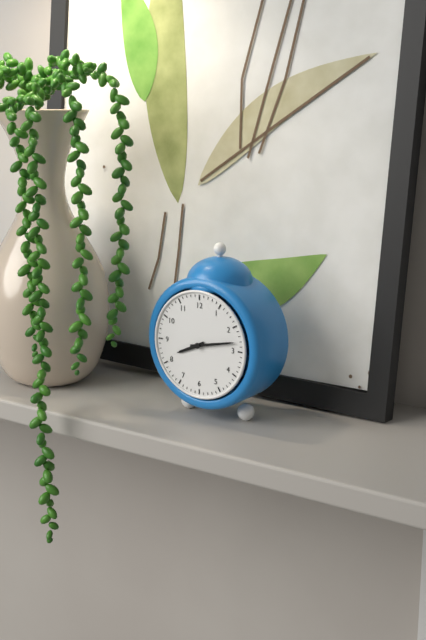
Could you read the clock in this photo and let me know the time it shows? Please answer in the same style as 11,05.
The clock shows 8,13
